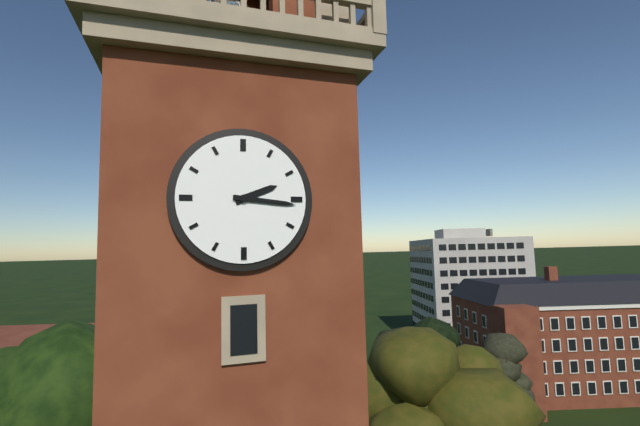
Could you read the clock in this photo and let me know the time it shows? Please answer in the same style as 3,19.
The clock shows 2,16
